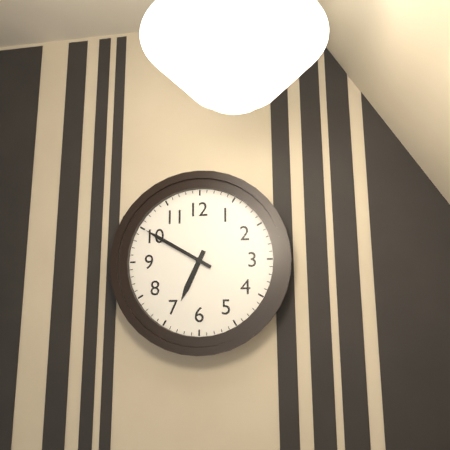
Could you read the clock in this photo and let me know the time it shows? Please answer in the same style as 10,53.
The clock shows 6,50
